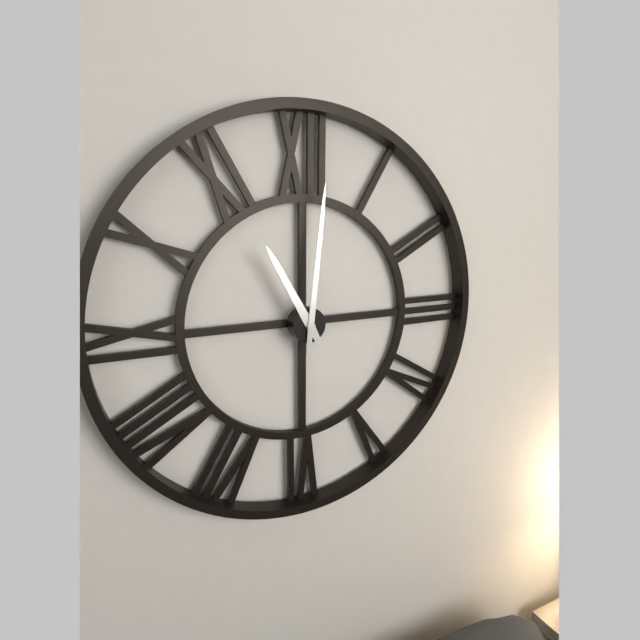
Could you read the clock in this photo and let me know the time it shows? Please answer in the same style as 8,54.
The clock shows 11,01
